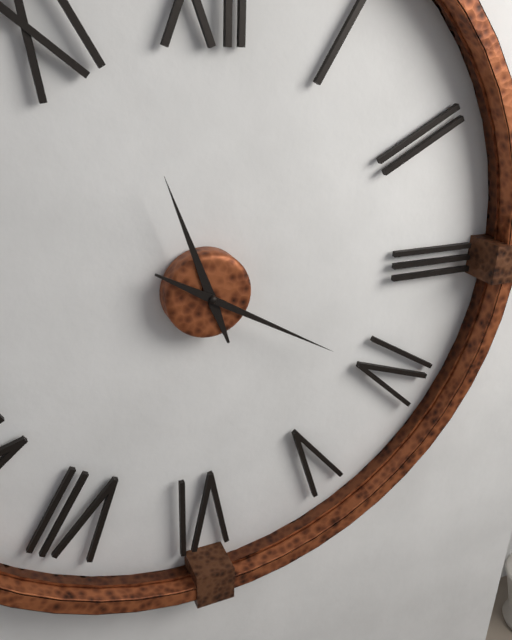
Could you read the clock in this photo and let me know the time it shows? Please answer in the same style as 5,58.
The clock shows 11,20
